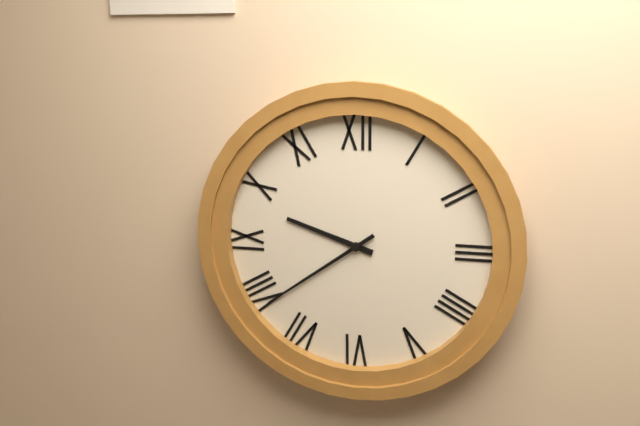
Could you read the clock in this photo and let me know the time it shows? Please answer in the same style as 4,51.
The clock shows 9,39
